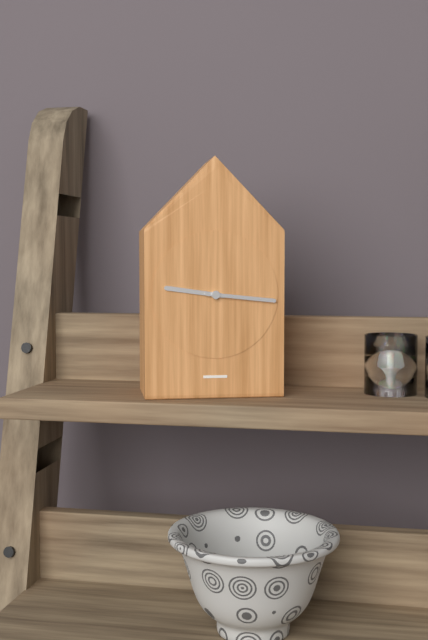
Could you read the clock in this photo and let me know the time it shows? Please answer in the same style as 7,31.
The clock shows 9,16
